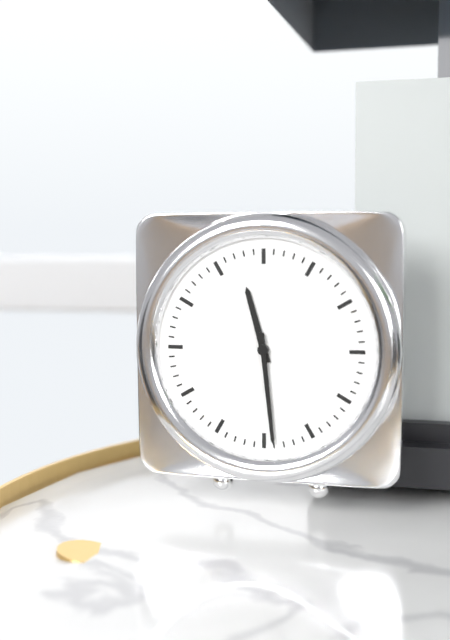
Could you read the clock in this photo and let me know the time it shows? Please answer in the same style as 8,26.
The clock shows 11,29
